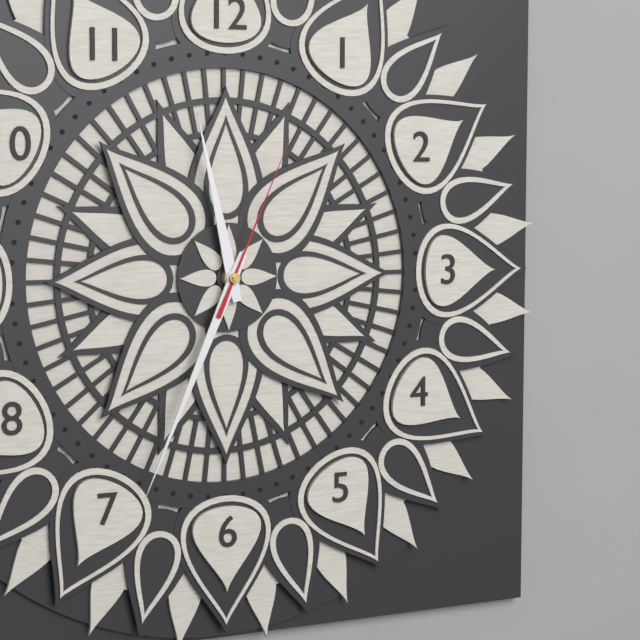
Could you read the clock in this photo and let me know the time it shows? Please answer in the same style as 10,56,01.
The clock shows 11,34,04
